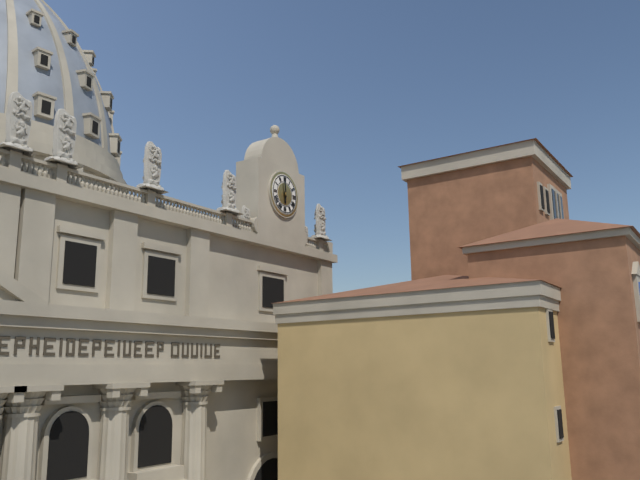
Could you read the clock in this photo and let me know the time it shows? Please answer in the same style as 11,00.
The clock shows 5,59
